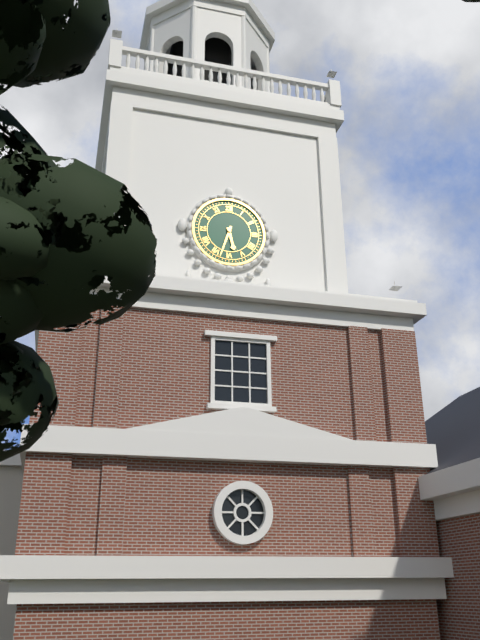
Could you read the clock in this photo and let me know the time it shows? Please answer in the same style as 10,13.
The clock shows 5,33
